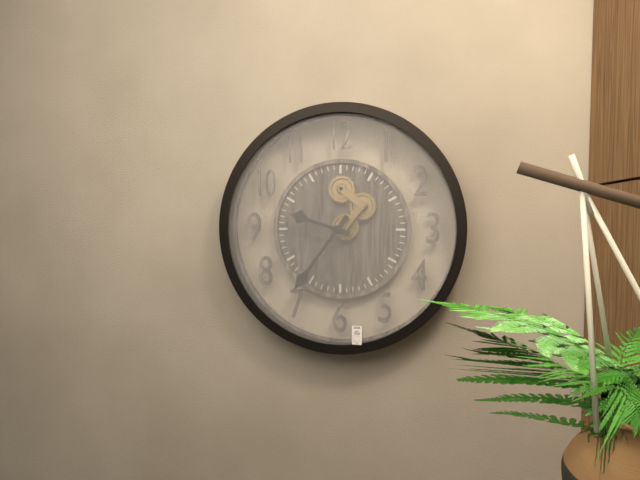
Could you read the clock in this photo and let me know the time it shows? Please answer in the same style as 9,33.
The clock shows 9,36
